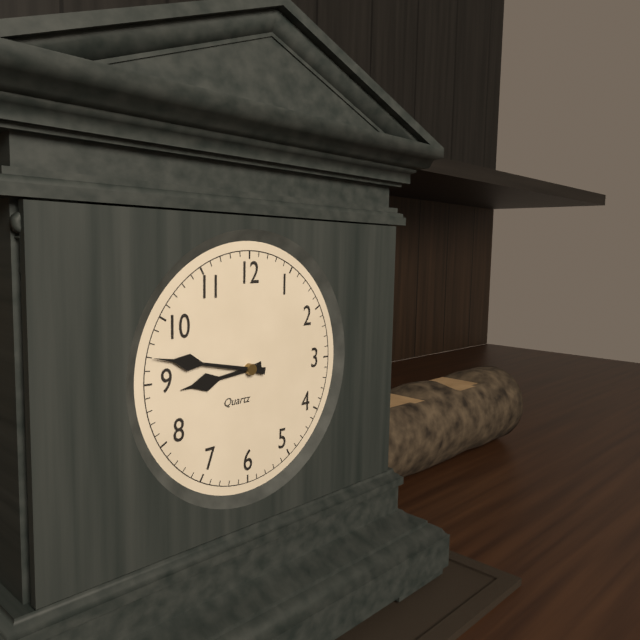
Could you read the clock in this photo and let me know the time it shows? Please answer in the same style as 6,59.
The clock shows 8,47
